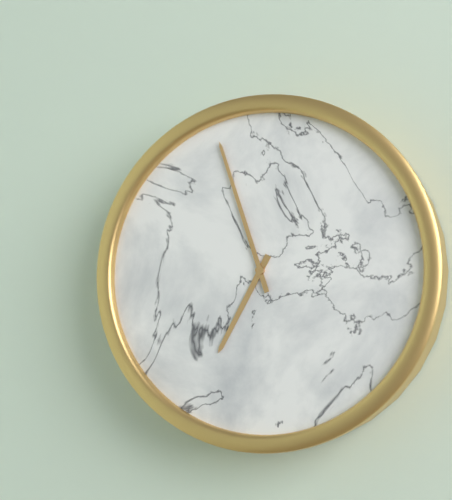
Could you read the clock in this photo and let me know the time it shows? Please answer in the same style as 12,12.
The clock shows 6,57
